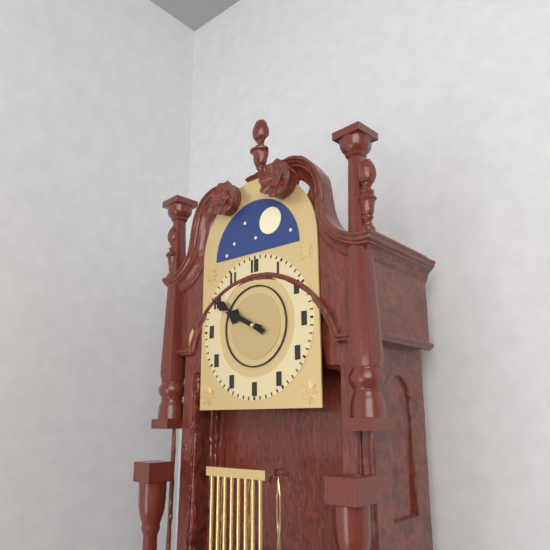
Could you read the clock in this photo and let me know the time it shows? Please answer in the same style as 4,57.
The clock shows 9,50
